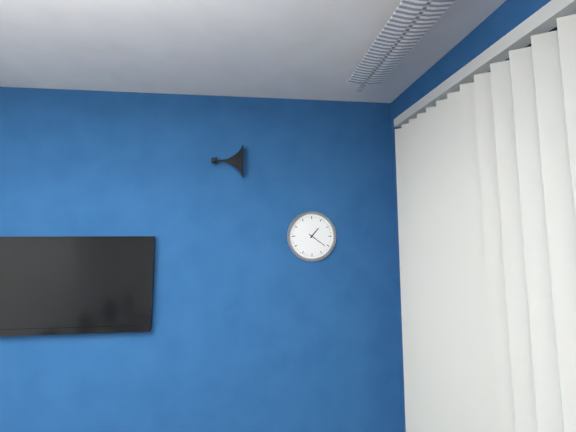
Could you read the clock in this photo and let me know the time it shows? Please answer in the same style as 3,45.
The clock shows 1,21
